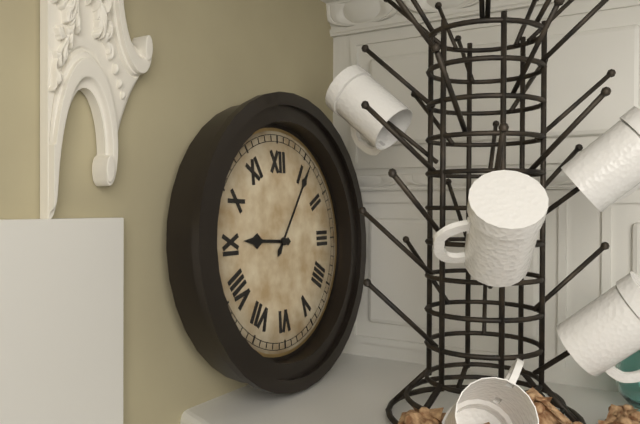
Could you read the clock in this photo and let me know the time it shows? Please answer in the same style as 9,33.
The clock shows 9,06
